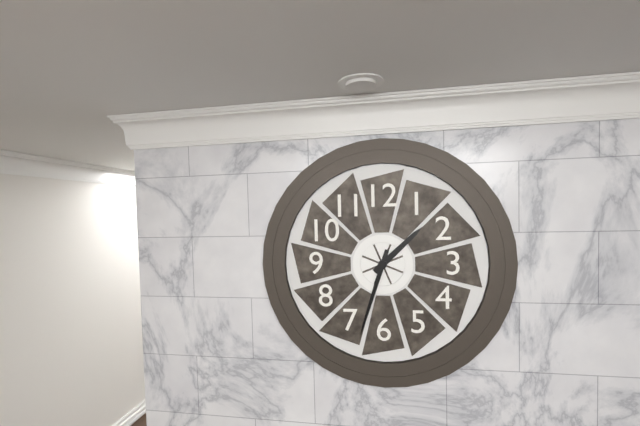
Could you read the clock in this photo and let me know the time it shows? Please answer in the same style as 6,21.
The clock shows 1,33
